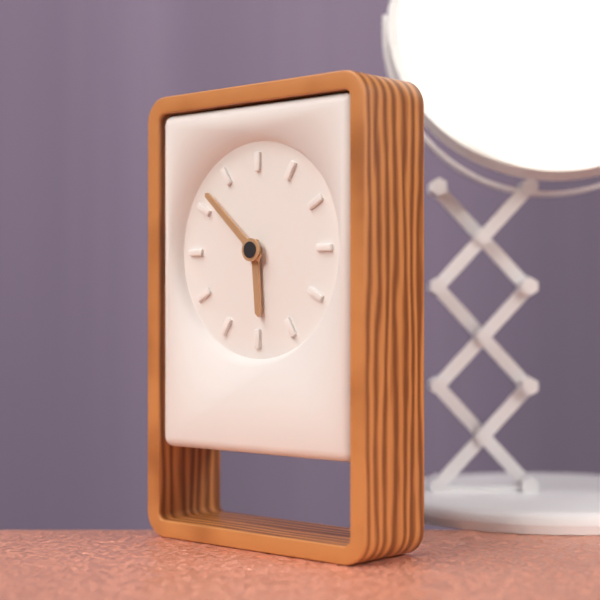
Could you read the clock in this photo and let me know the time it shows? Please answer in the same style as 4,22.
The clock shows 5,52
